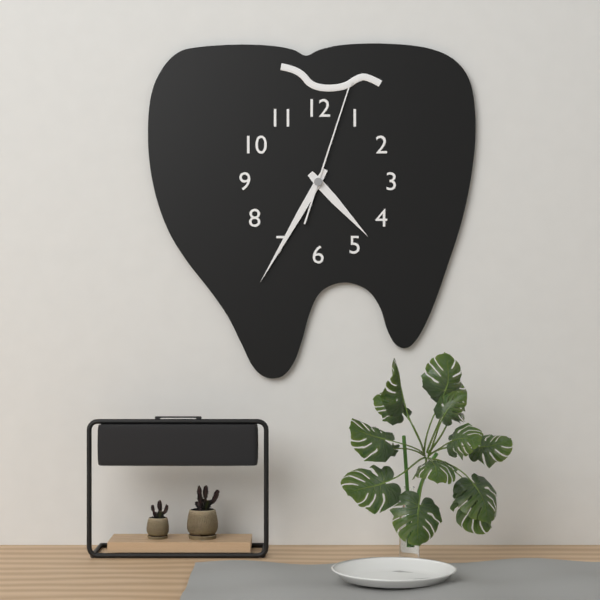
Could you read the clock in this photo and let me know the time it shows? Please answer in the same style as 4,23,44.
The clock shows 4,35,03
